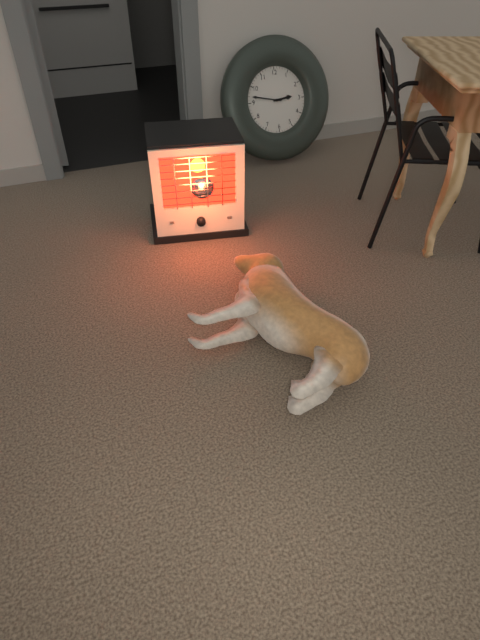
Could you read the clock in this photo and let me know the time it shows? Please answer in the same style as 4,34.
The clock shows 2,47
